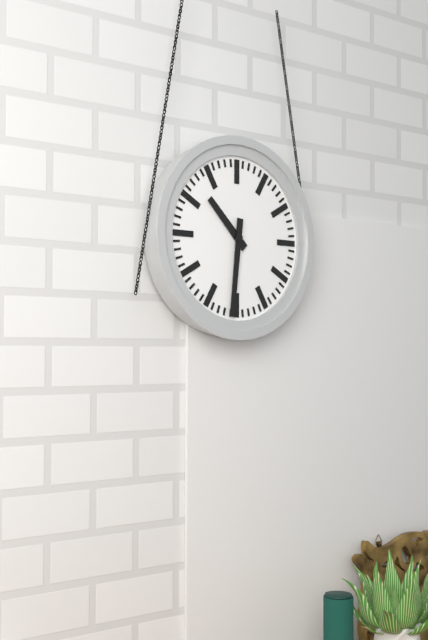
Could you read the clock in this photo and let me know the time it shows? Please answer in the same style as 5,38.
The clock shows 10,31
